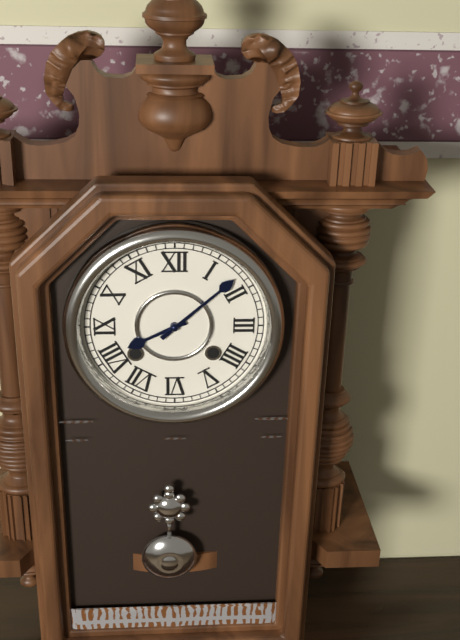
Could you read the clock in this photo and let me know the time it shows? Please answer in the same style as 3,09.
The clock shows 8,08
